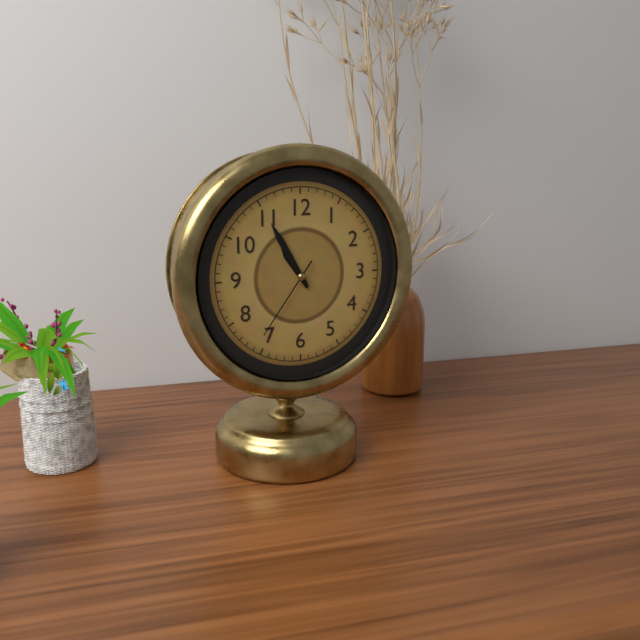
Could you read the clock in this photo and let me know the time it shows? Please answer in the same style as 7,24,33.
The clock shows 10,55,36
